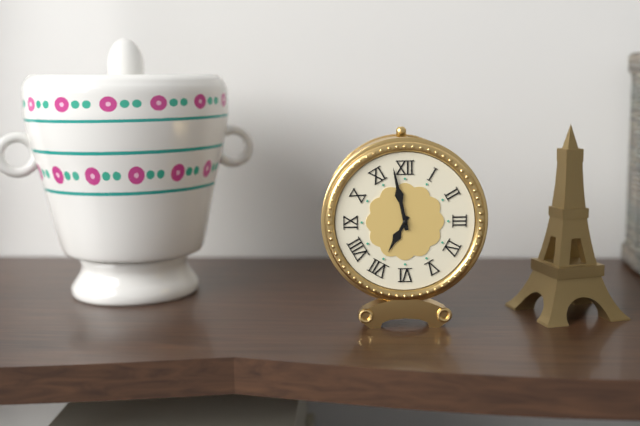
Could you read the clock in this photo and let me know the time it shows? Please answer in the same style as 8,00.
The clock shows 6,58
